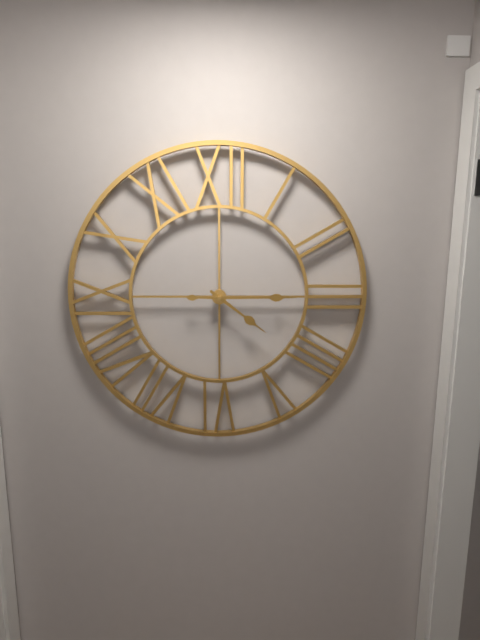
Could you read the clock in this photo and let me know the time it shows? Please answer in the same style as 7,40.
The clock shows 4,15
